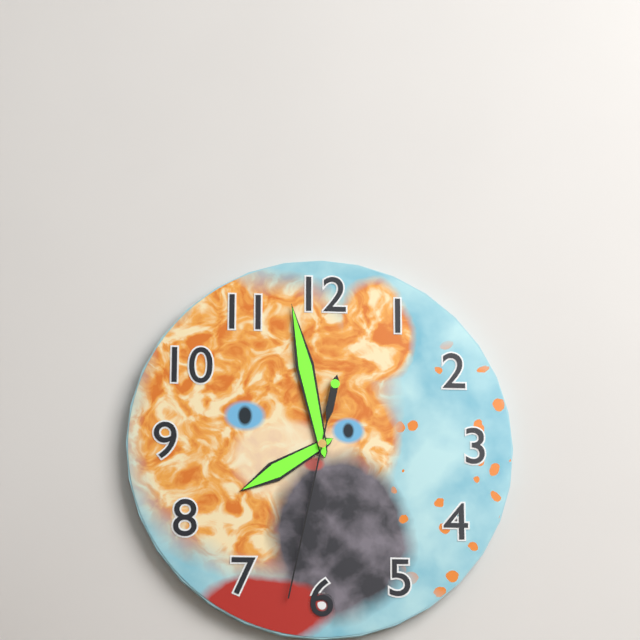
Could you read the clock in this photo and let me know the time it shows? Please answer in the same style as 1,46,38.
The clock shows 7,58,32
